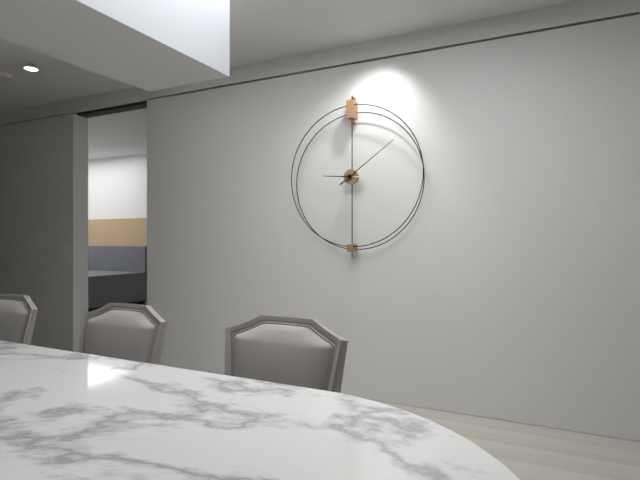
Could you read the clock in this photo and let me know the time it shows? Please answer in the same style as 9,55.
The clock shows 9,09
